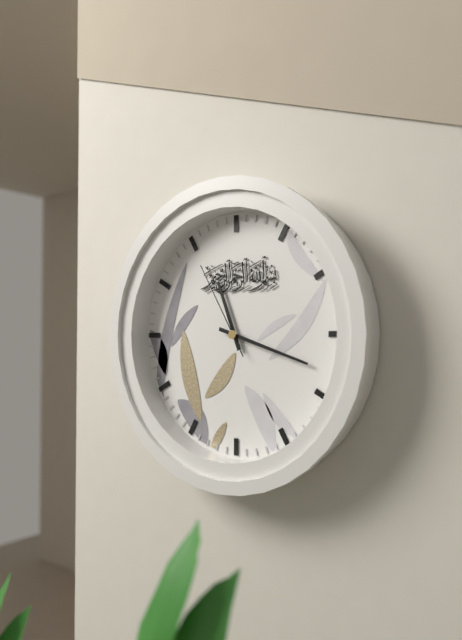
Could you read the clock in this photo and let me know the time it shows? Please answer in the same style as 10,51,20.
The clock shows 11,18,55
